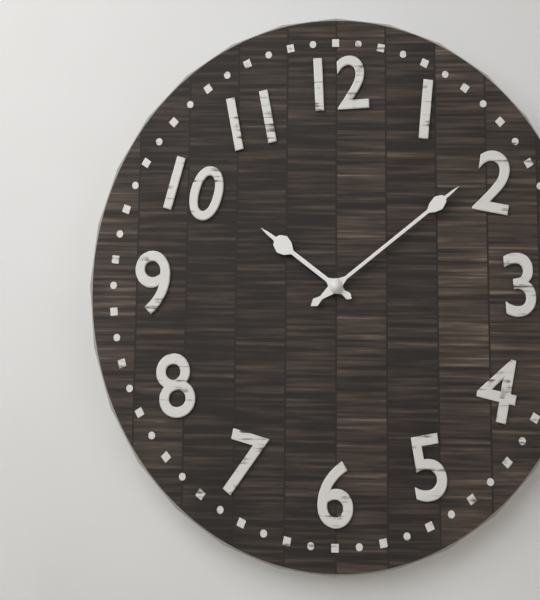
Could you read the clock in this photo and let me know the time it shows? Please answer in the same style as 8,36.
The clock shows 10,09
